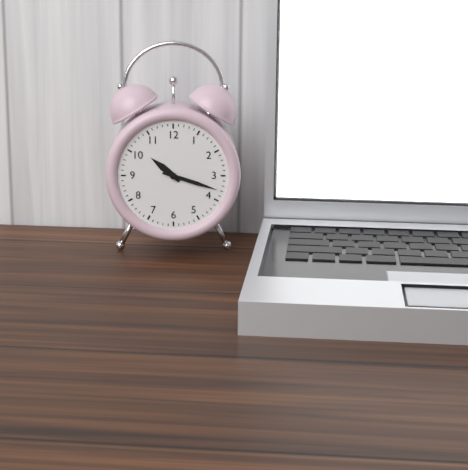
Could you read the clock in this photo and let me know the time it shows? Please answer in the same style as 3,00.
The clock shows 10,18
